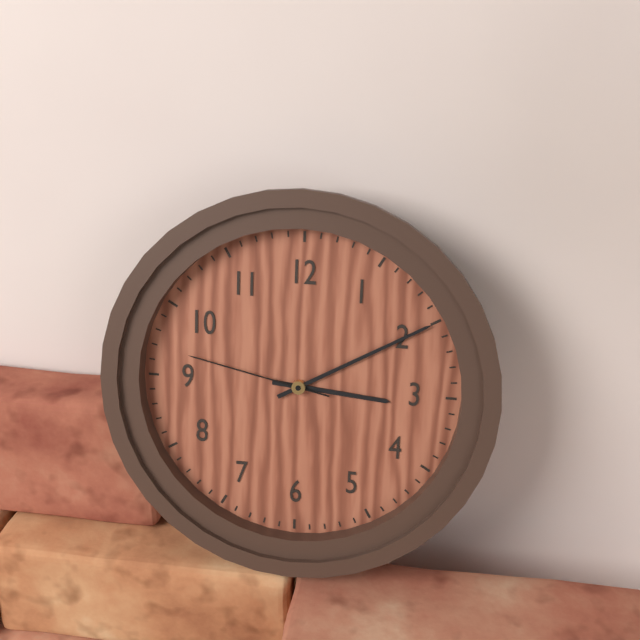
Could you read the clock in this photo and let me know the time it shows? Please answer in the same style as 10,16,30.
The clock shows 3,10,47
